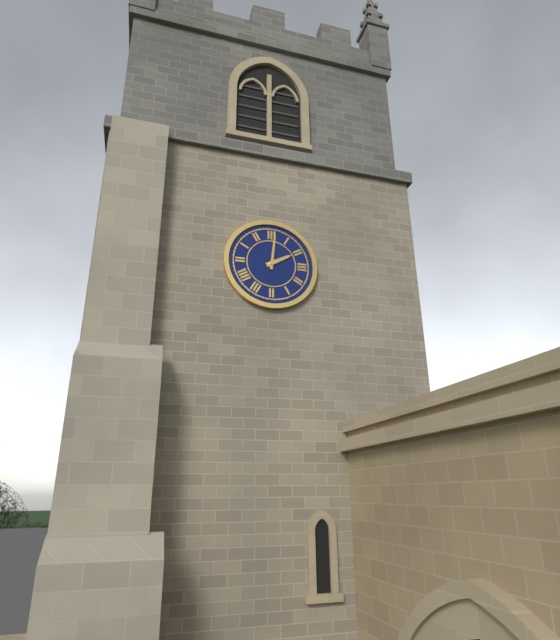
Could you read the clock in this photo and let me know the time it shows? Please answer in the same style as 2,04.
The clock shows 2,01
